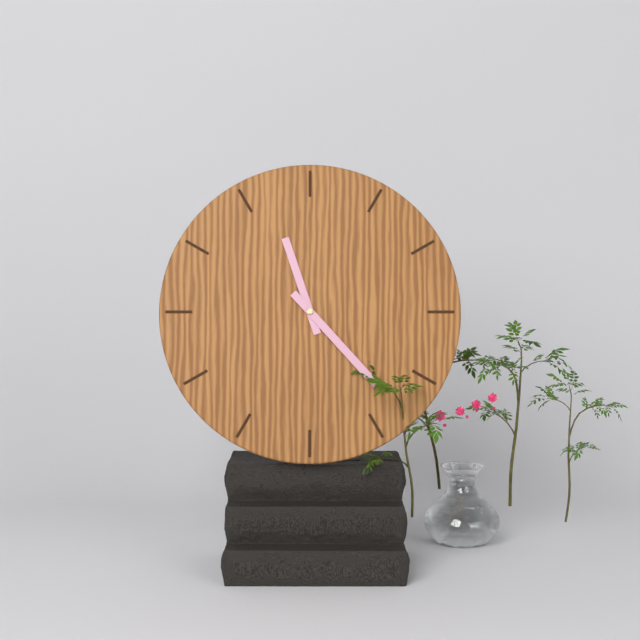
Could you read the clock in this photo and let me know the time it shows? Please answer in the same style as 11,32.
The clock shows 11,23
